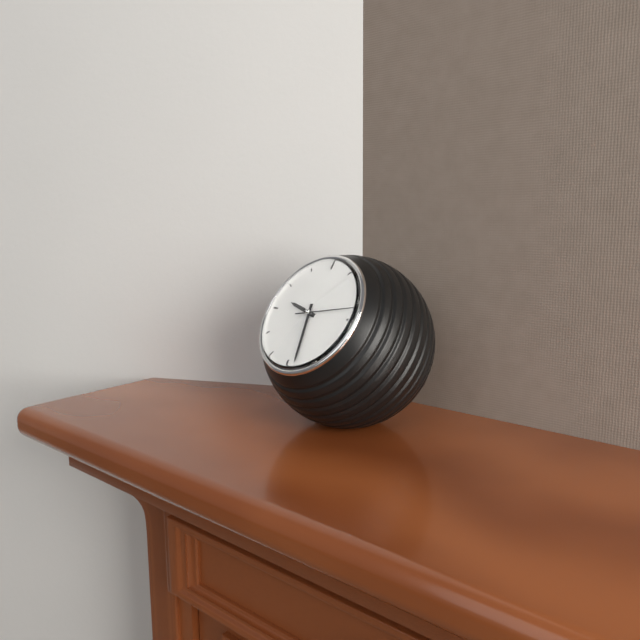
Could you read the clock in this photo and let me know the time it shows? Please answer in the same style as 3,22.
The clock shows 9,28
